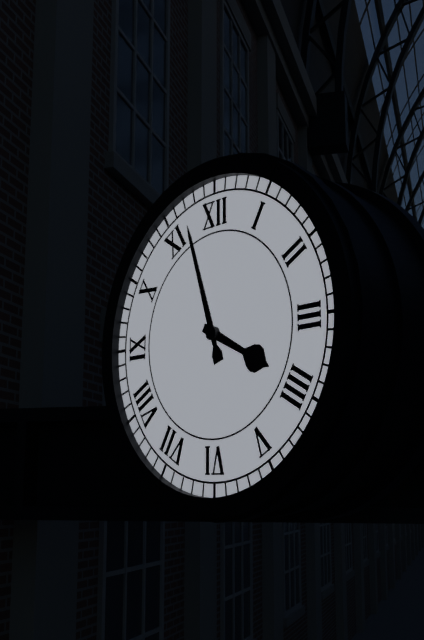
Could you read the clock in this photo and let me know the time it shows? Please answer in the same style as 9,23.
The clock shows 3,57
